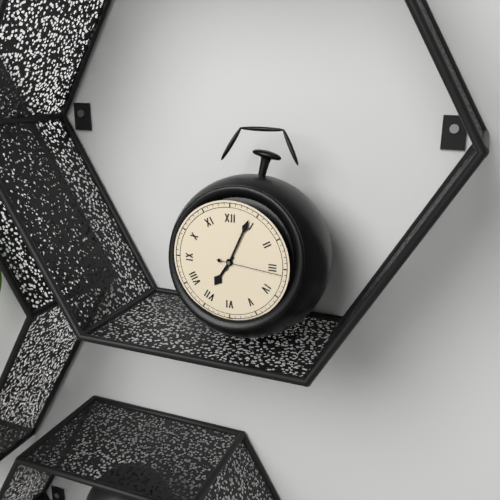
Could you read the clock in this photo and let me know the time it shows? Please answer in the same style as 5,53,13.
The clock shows 7,04,16
